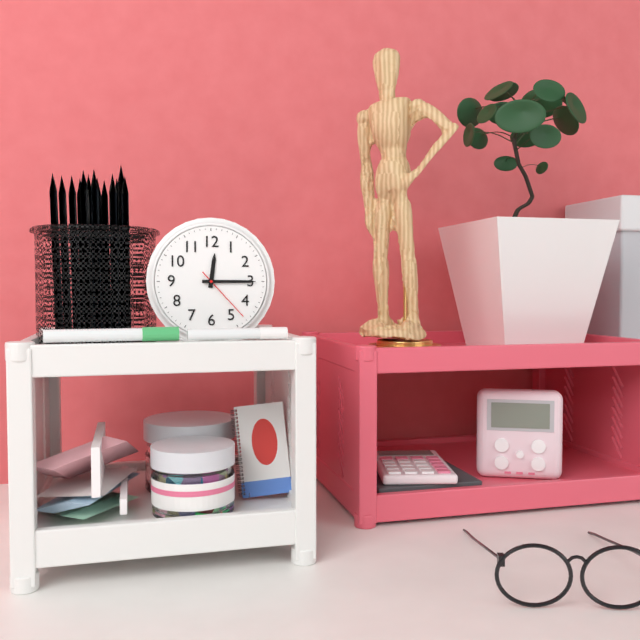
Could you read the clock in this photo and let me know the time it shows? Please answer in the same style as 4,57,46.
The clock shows 12,15,23
